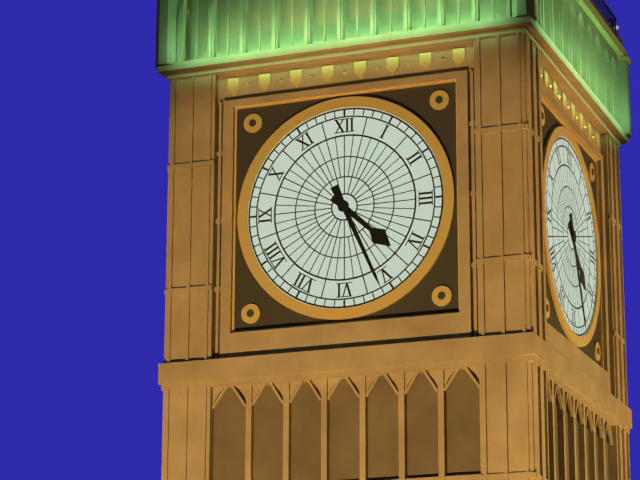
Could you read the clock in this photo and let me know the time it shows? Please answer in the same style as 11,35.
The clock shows 4,26
